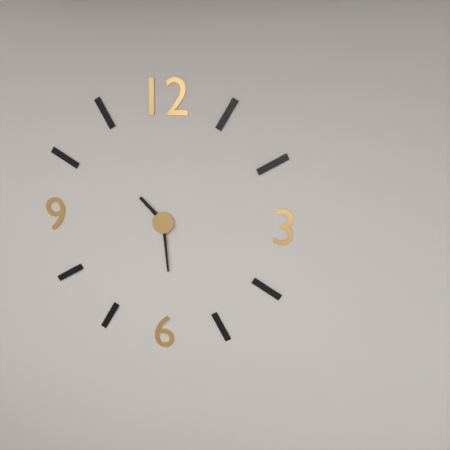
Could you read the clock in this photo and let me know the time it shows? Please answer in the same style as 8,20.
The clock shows 10,29
